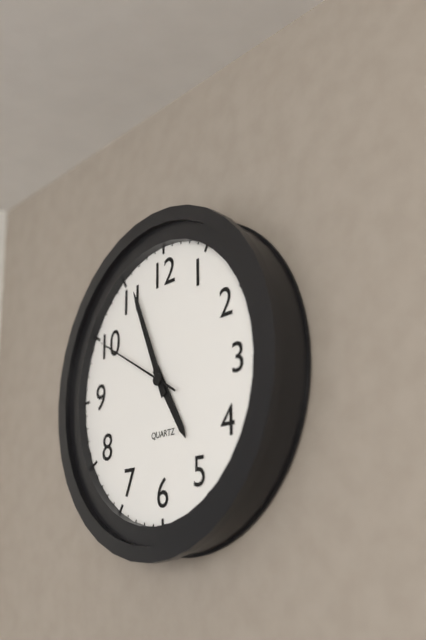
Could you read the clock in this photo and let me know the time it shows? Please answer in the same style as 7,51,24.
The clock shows 4,56,50
